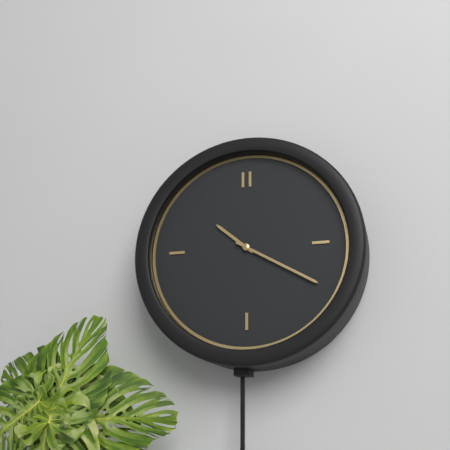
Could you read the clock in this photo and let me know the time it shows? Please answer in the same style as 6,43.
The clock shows 10,20
